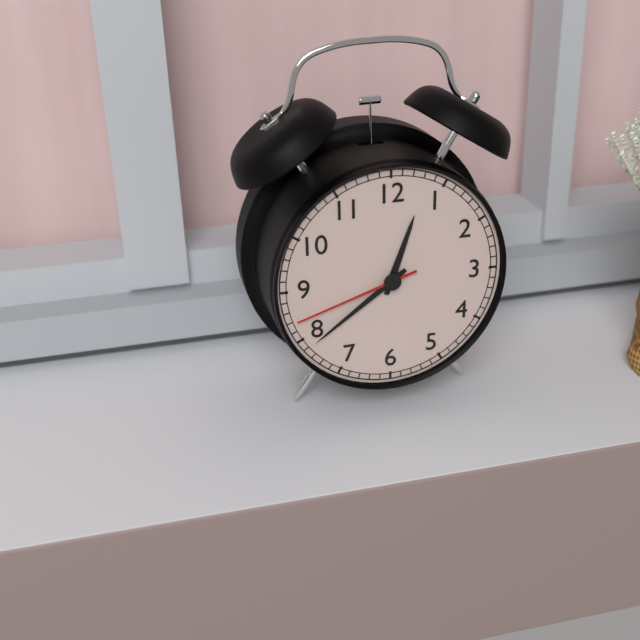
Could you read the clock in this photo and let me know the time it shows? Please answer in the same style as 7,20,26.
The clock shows 12,39,42
